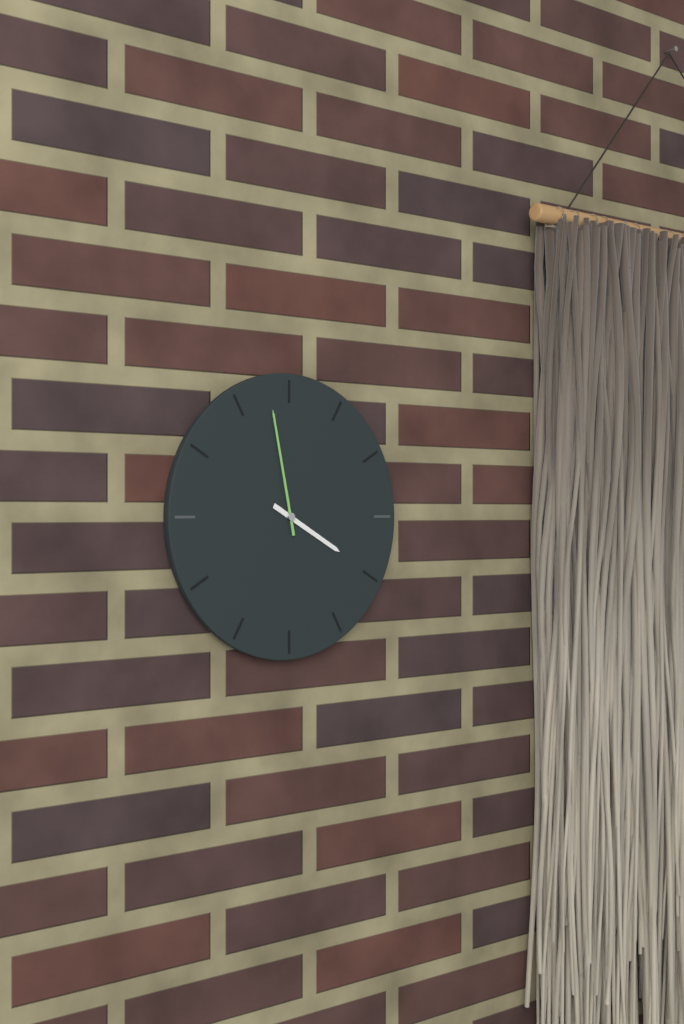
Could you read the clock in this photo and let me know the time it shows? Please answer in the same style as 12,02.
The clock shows 3,58
